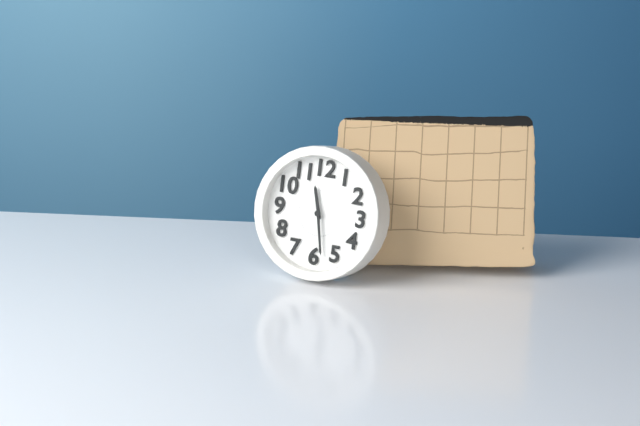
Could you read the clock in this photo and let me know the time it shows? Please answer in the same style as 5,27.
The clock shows 11,28
